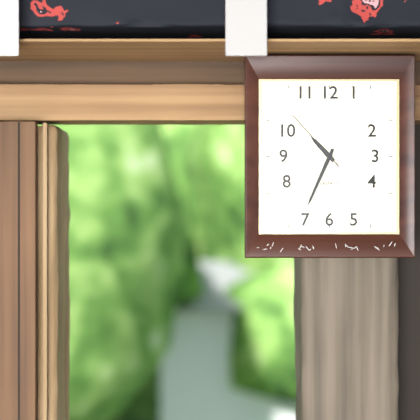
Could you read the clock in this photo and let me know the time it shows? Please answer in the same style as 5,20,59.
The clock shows 10,34,53
